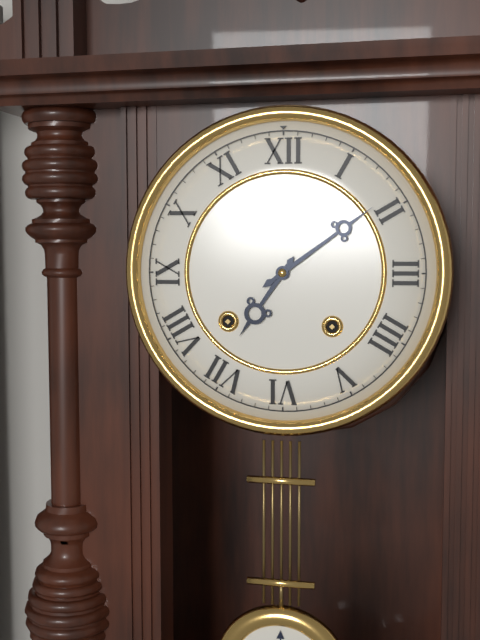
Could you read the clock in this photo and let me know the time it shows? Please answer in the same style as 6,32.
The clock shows 7,09
